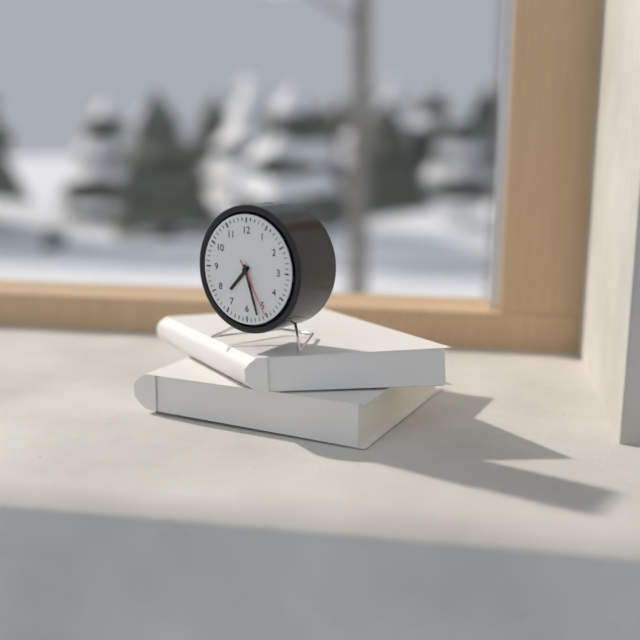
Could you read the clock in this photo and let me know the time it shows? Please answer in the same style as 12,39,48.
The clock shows 7,27,25
